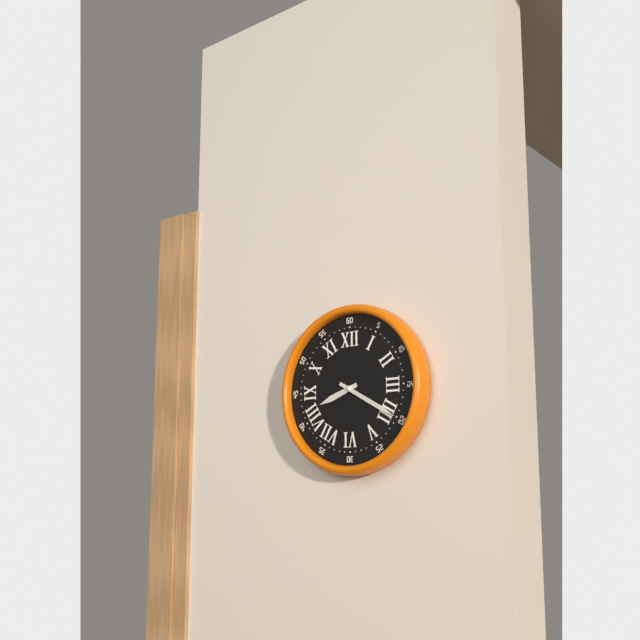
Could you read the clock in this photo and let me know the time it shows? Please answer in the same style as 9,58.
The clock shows 8,20
